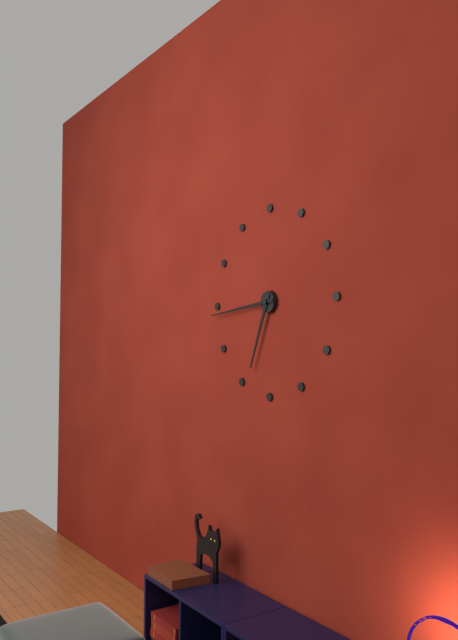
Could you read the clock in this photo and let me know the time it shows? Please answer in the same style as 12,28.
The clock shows 6,44
